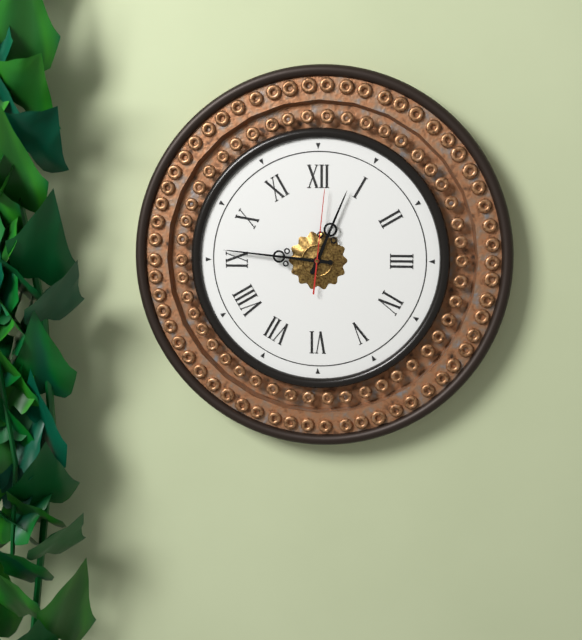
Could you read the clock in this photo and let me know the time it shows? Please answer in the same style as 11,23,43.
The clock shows 12,46,01
